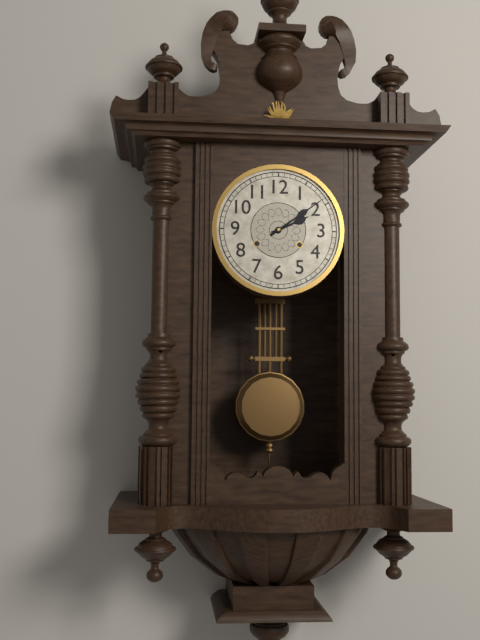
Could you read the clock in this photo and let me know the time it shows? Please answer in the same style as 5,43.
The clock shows 2,09
